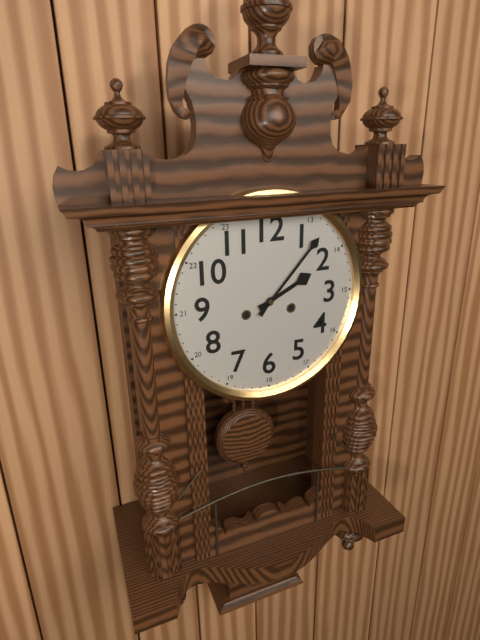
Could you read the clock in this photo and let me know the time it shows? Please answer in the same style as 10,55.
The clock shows 2,07
